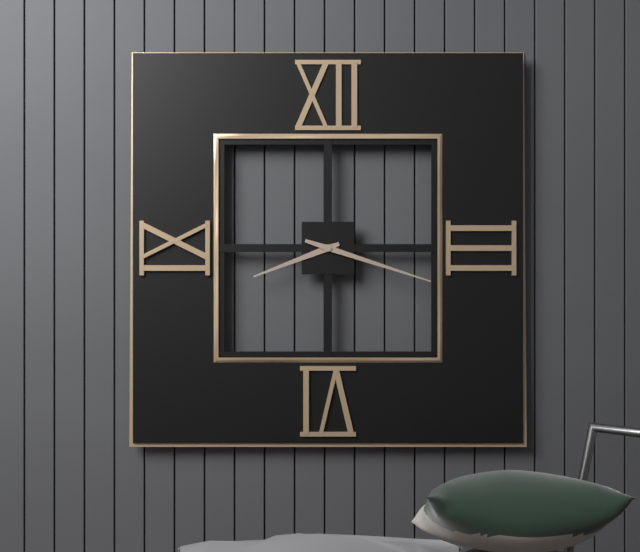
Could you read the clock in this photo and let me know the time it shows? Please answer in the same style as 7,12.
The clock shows 8,18
